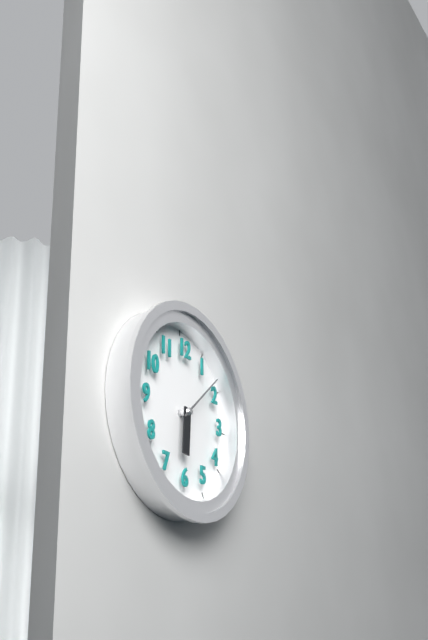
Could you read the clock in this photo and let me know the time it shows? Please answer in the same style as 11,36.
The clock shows 6,08
